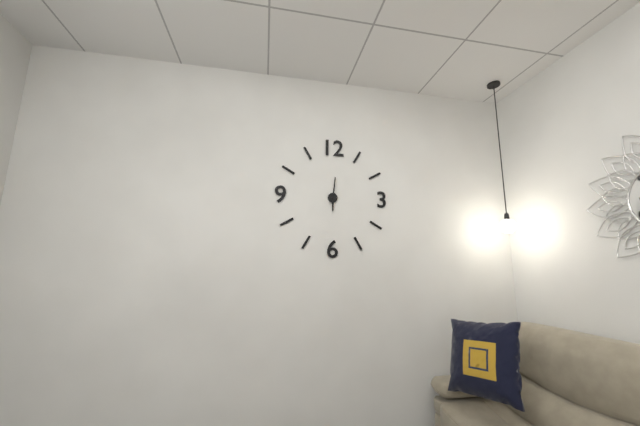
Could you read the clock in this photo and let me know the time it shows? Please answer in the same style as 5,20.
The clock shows 6,01
